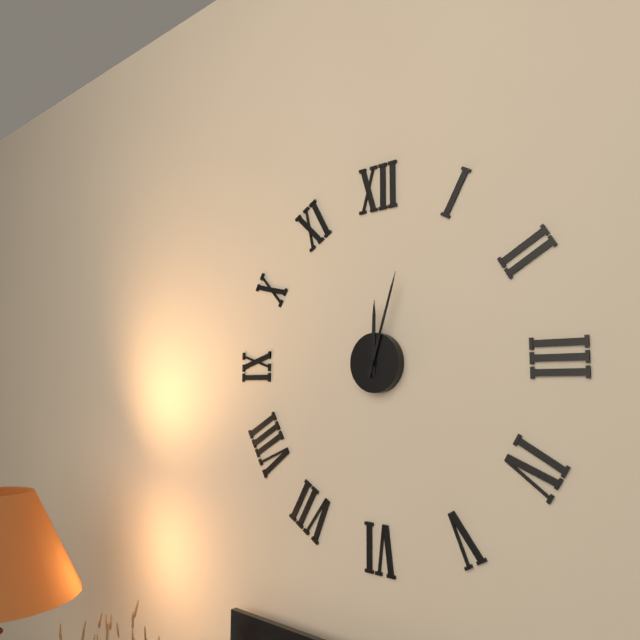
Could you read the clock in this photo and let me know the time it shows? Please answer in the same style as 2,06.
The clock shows 12,03
